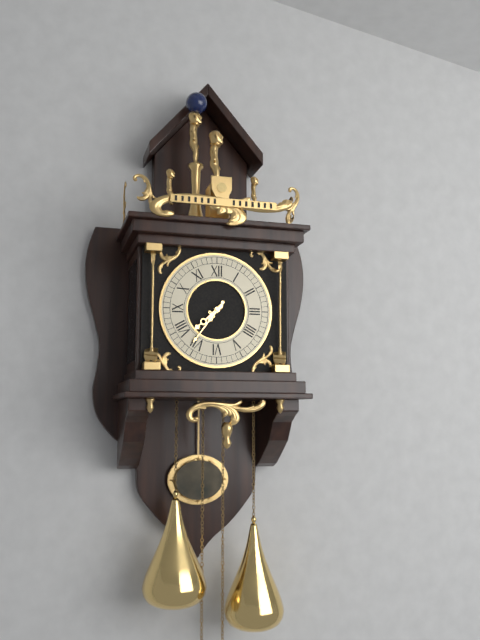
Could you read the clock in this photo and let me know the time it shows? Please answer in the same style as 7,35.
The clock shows 7,36
